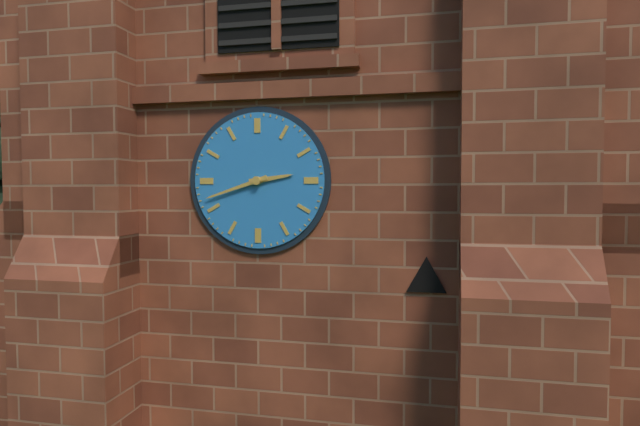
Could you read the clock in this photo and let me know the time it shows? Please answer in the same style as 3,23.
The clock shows 2,42
